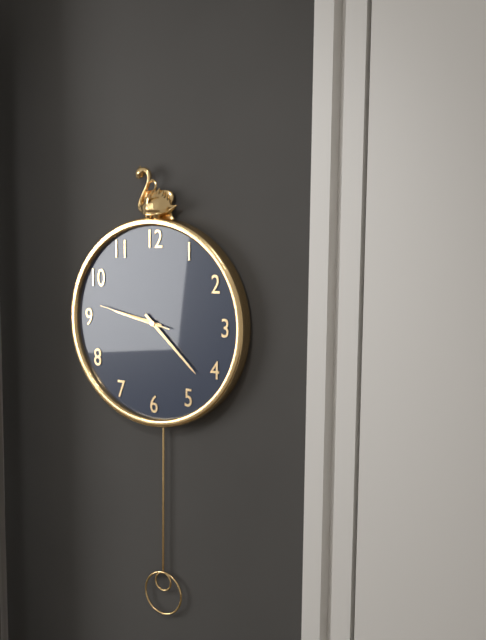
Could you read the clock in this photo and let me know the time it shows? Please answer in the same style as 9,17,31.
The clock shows 9,22,47
